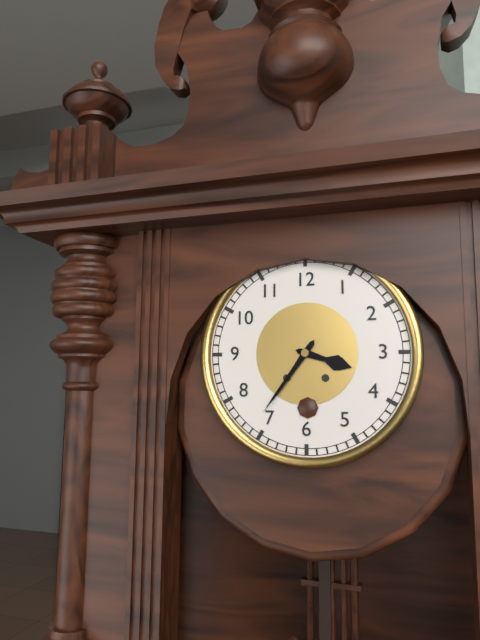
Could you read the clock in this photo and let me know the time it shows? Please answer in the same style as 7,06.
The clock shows 3,36
